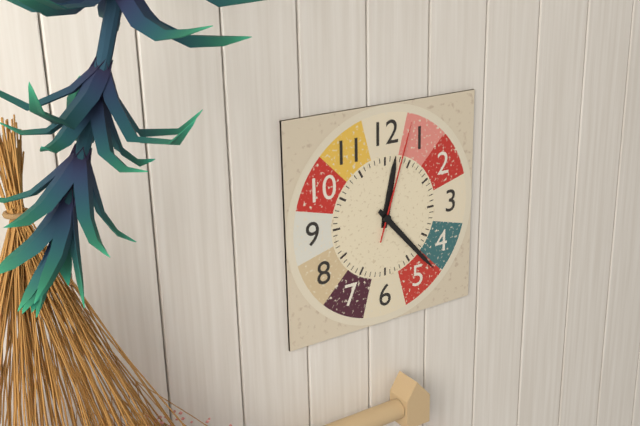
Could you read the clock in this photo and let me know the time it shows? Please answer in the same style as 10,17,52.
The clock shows 12,23,03
